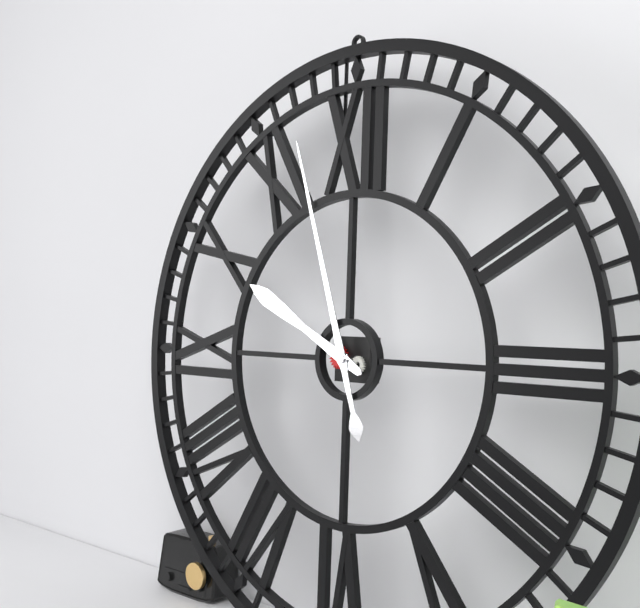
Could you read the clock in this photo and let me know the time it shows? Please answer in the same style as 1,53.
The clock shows 9,57
